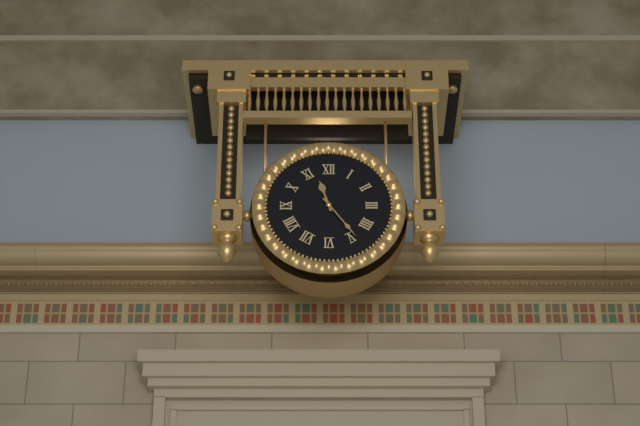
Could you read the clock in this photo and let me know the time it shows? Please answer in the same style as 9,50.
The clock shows 11,24
